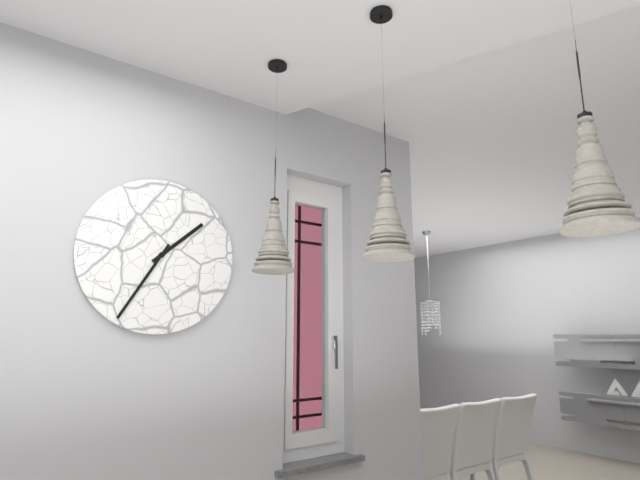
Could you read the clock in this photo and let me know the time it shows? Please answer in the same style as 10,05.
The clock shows 1,35
